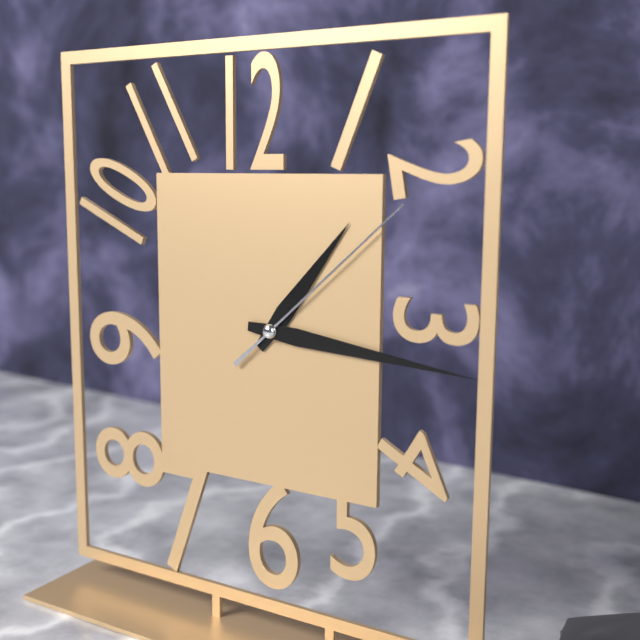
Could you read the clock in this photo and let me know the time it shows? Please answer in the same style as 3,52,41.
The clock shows 1,16,08
